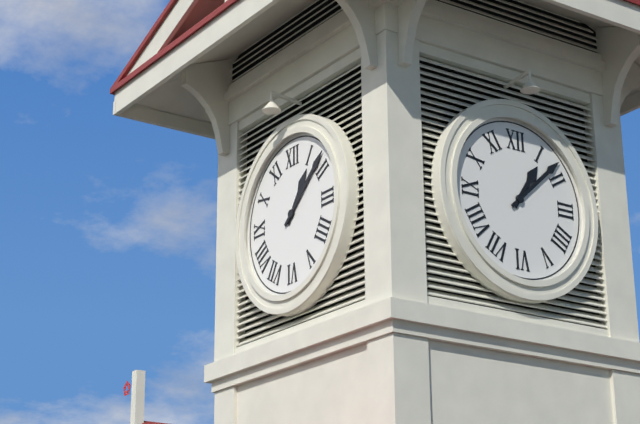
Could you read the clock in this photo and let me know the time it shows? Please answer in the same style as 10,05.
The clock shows 1,08
